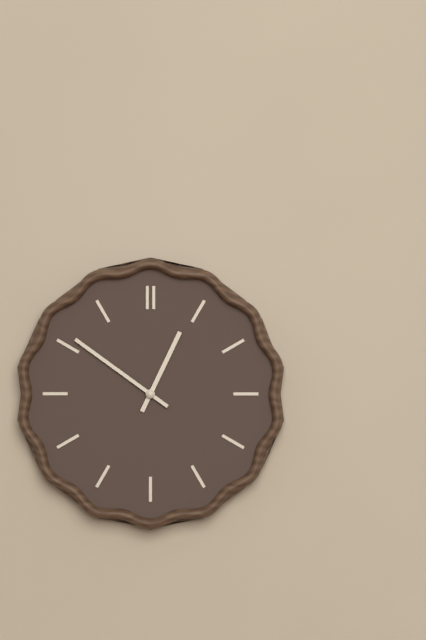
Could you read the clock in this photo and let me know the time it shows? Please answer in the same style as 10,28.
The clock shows 12,51
